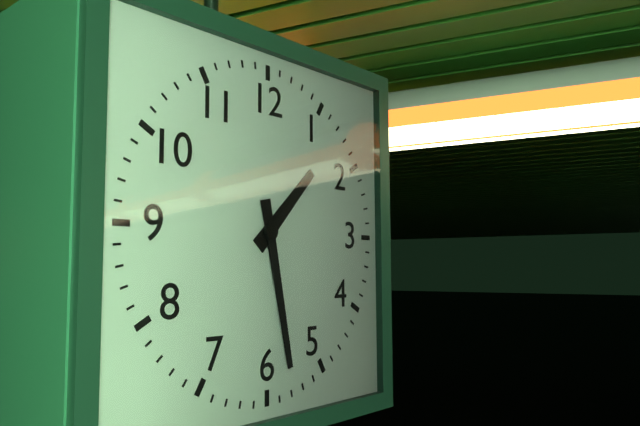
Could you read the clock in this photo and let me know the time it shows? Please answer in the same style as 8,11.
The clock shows 1,28
